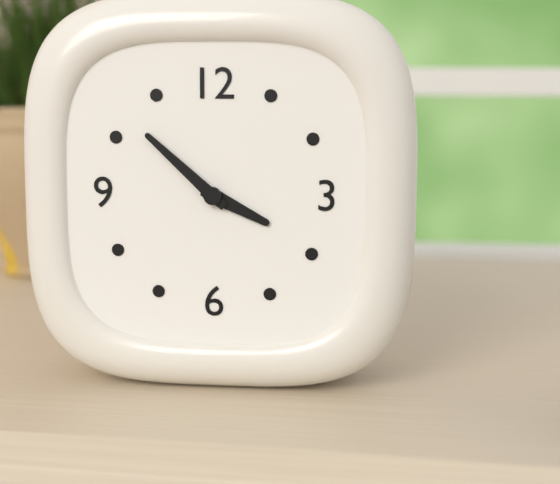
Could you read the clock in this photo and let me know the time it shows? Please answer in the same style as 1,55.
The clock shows 3,52
